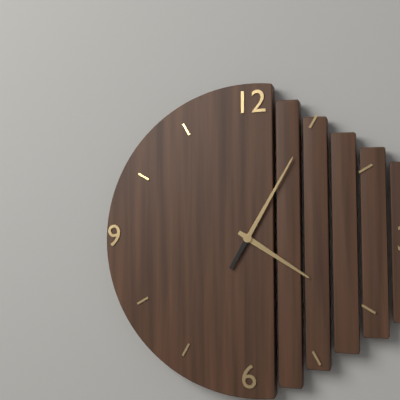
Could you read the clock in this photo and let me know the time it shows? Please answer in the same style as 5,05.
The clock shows 4,05
